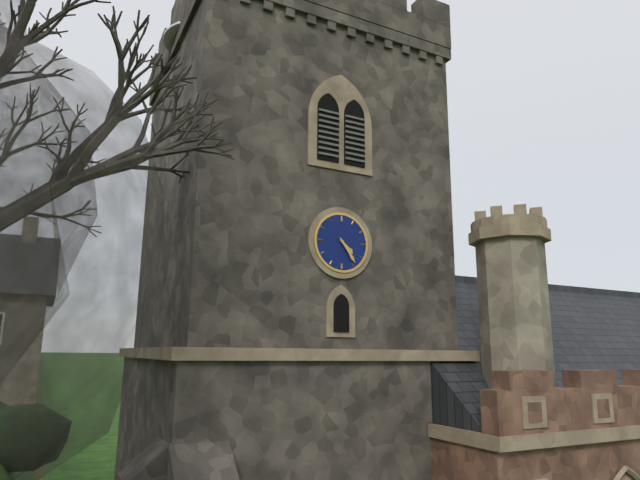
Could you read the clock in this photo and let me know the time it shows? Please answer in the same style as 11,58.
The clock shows 4,24
